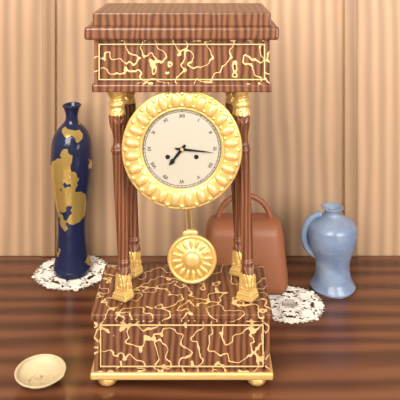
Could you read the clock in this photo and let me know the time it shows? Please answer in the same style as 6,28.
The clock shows 7,16
